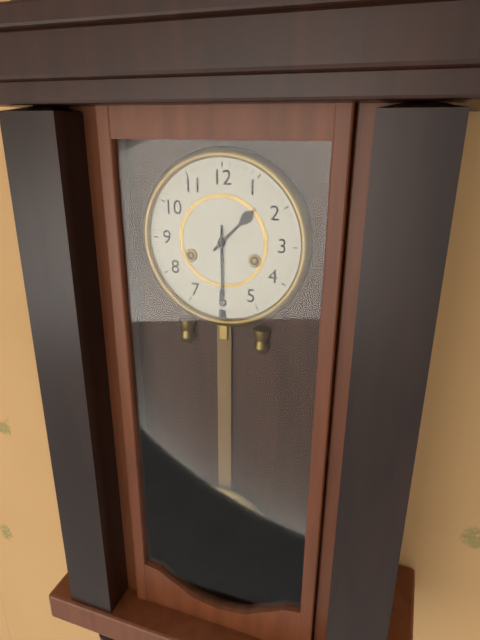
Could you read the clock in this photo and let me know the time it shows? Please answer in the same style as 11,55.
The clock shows 1,30
